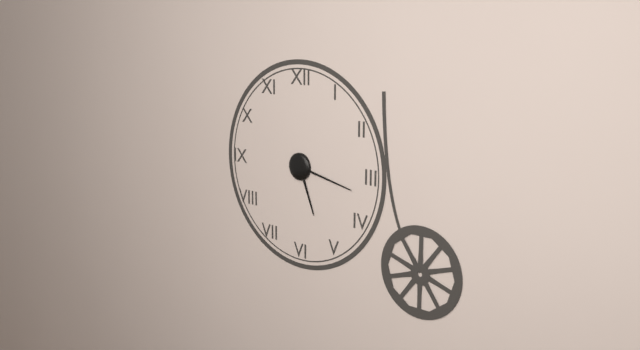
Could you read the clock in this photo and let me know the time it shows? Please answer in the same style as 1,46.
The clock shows 5,17
